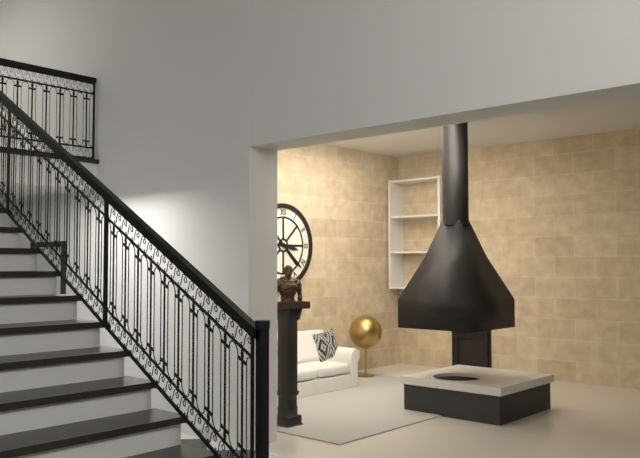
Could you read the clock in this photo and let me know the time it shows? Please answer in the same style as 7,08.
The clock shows 3,22
